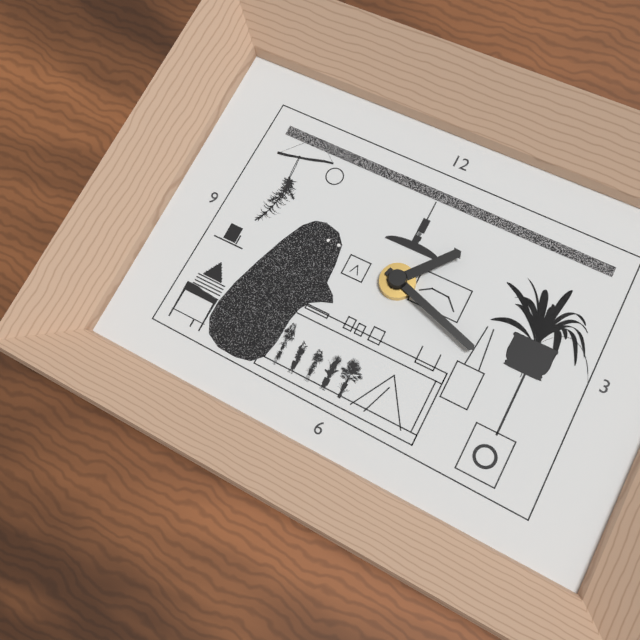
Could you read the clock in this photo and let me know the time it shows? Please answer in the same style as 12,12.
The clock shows 1,18
